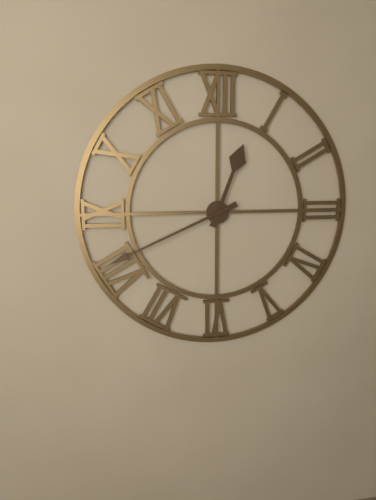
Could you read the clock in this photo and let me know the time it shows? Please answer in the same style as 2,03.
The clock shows 12,41
